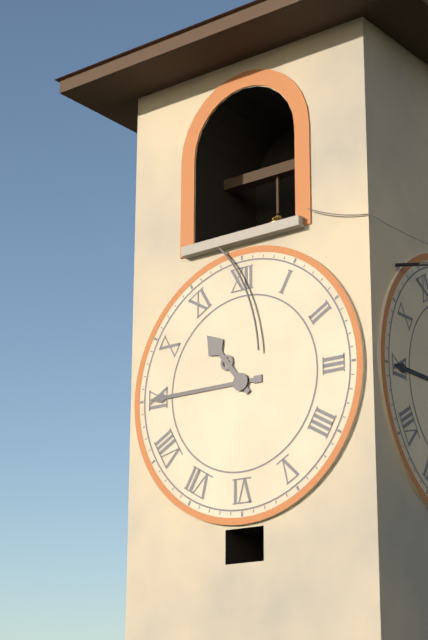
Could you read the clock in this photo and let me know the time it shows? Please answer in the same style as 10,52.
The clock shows 10,45
